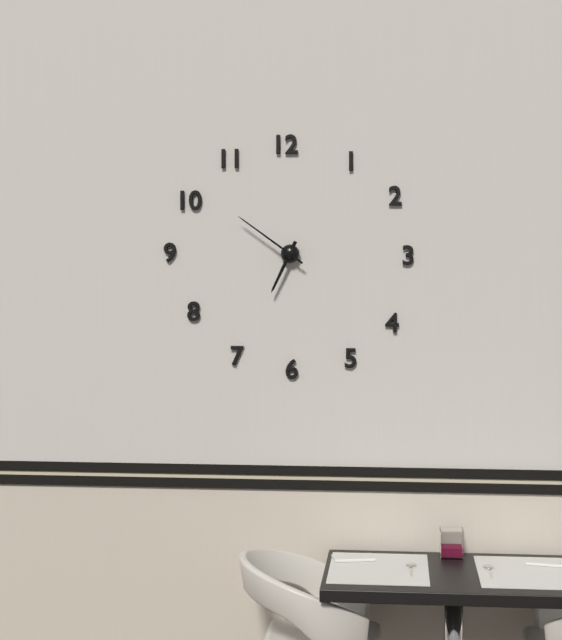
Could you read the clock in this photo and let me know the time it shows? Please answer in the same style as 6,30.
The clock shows 6,51
